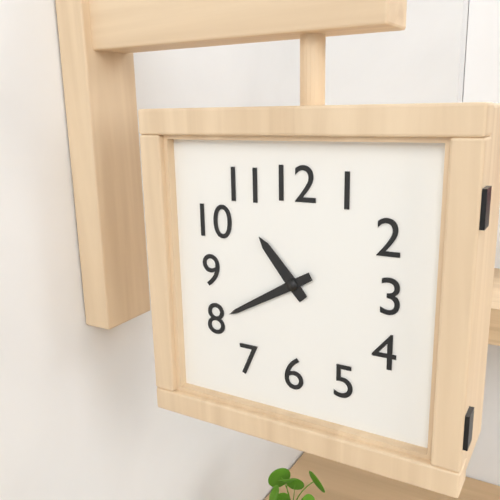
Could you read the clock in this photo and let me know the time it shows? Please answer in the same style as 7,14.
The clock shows 10,40
